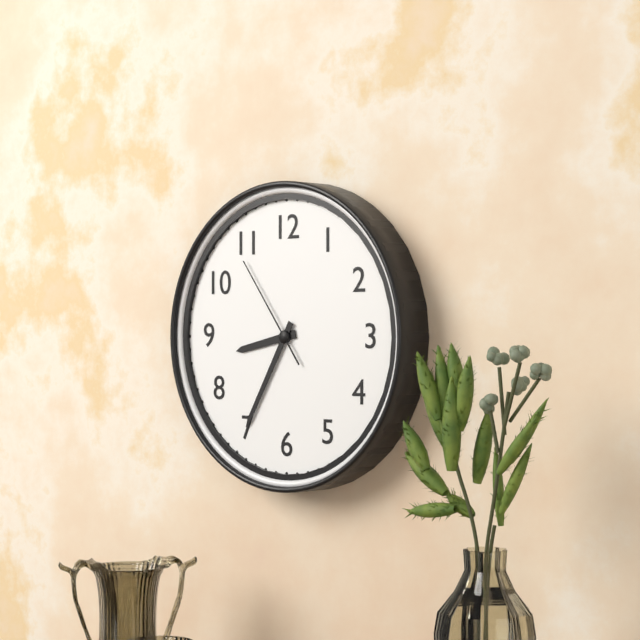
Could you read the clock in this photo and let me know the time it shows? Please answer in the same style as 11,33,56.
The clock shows 8,35,54
